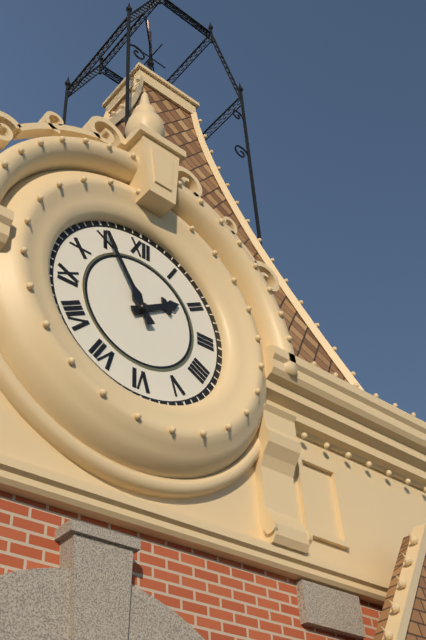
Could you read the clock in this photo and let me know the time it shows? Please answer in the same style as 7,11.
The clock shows 1,55
